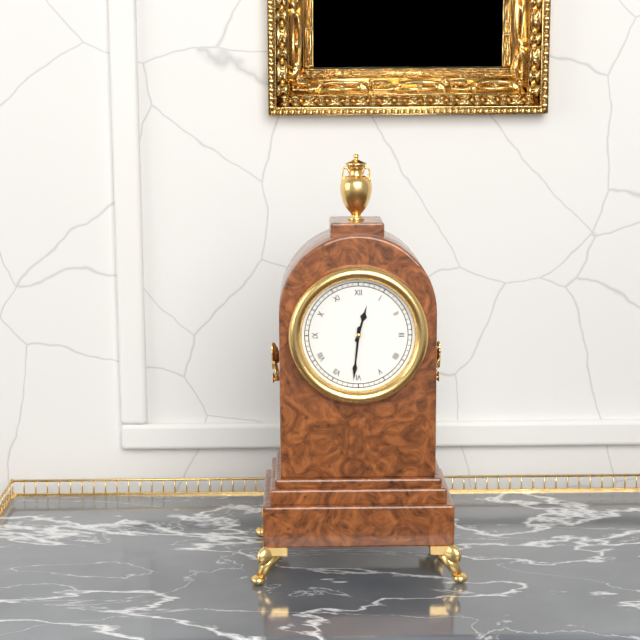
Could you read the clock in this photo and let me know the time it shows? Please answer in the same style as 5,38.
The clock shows 12,31
